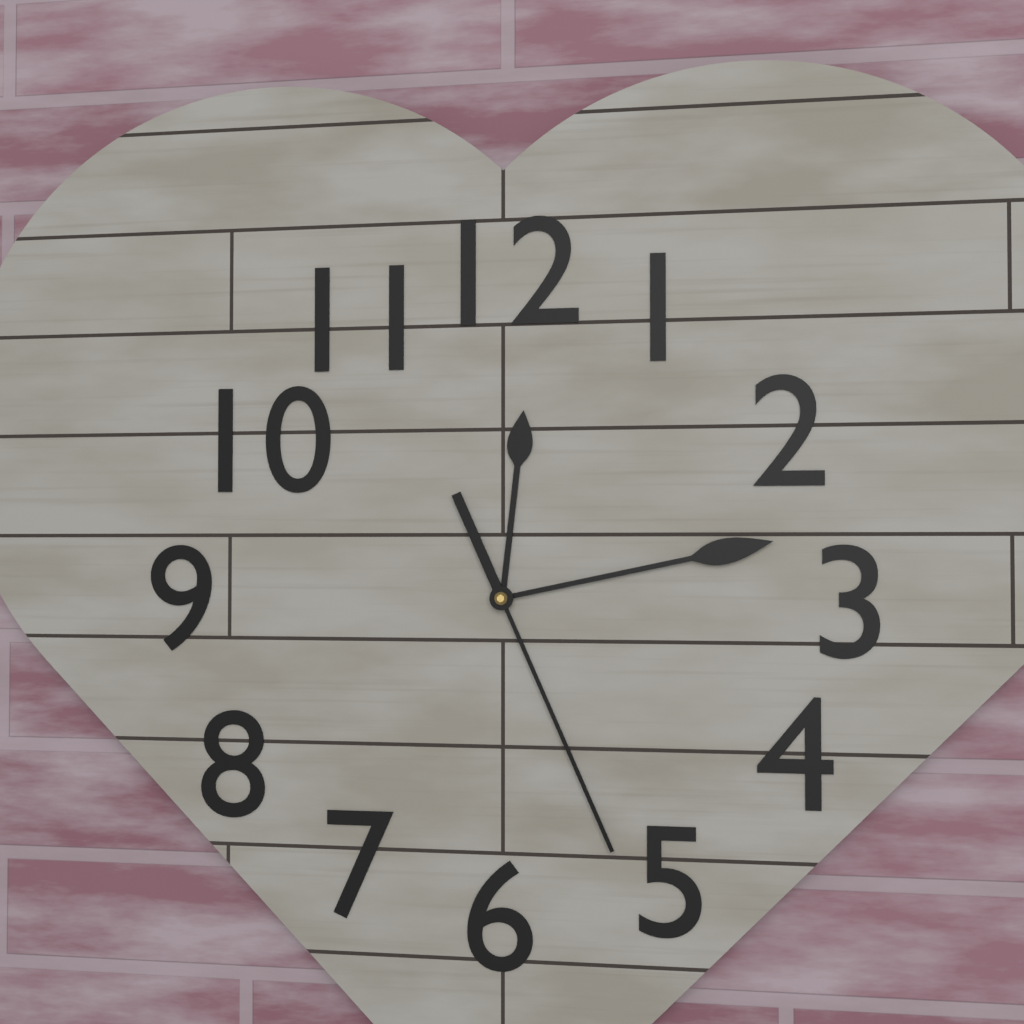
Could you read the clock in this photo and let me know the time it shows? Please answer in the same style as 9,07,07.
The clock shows 12,13,26
